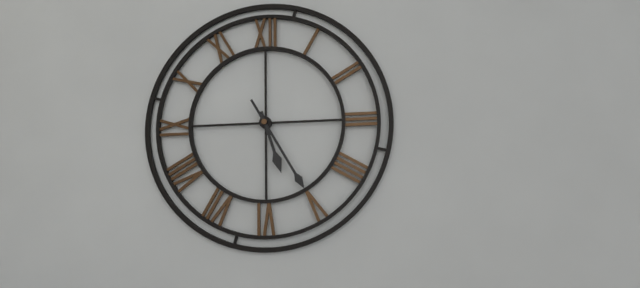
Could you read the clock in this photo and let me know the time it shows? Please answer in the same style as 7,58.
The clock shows 5,25
